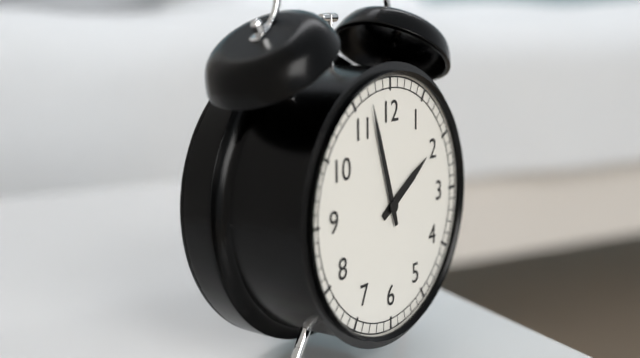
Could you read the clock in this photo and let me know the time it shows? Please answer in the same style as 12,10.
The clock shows 1,57
